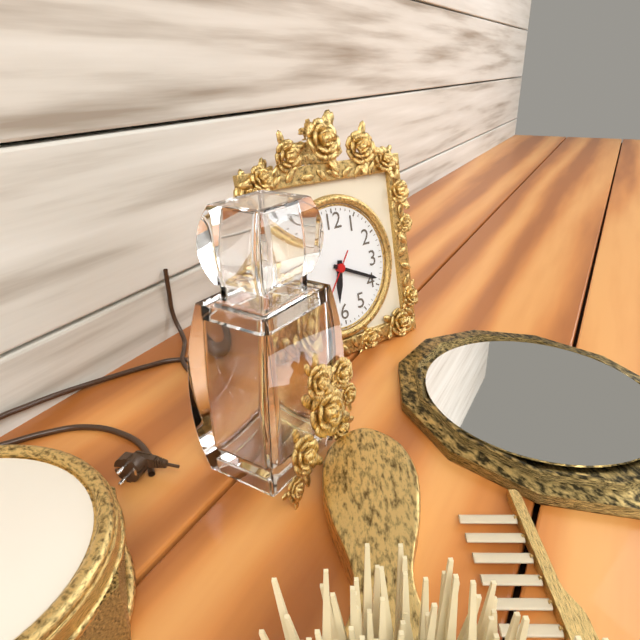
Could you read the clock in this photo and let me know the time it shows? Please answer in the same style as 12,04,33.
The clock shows 6,19,36
